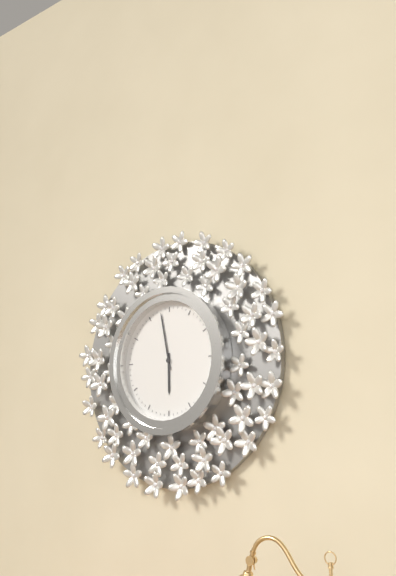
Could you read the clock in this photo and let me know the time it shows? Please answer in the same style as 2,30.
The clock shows 5,58
